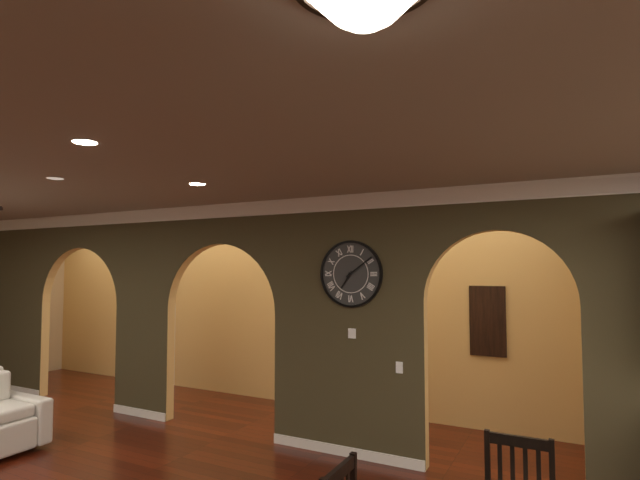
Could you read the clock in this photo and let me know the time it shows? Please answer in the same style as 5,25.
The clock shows 7,09
